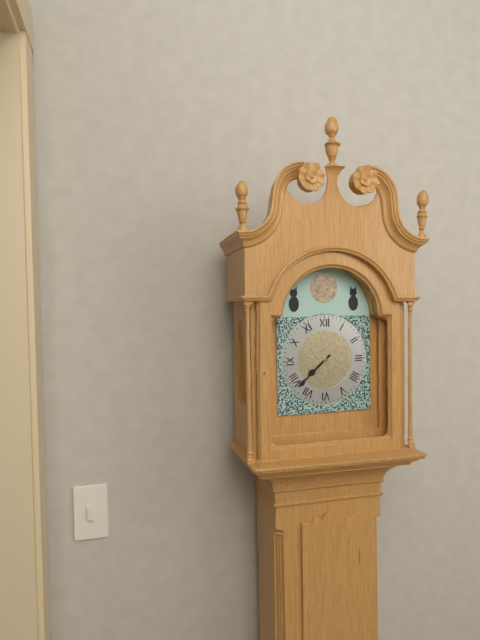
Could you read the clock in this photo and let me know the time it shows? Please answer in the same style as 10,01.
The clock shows 7,38
